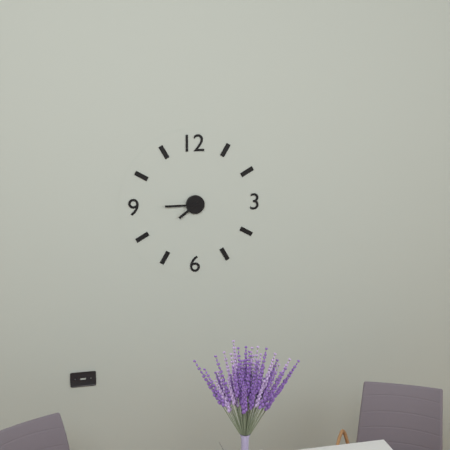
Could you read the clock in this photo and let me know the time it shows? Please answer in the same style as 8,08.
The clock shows 7,45
